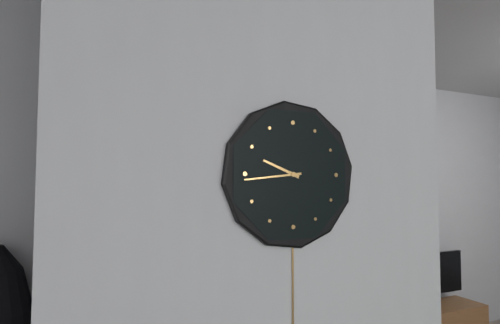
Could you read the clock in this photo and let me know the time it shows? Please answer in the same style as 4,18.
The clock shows 9,44
